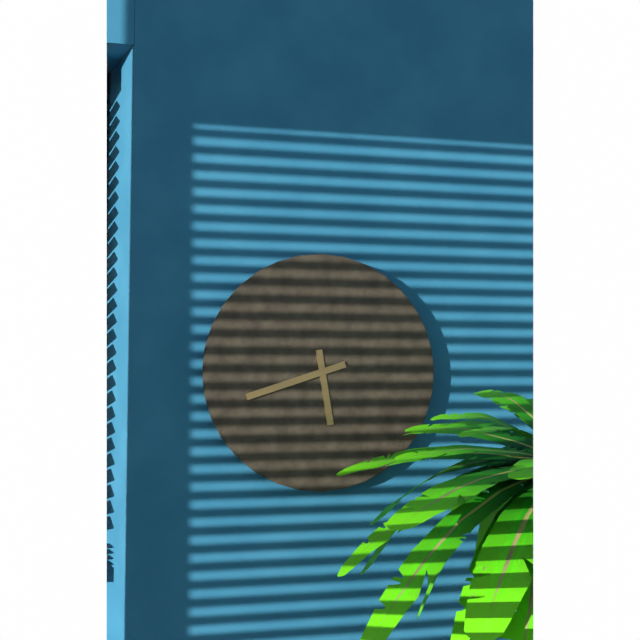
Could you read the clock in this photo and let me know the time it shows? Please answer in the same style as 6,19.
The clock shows 5,42
